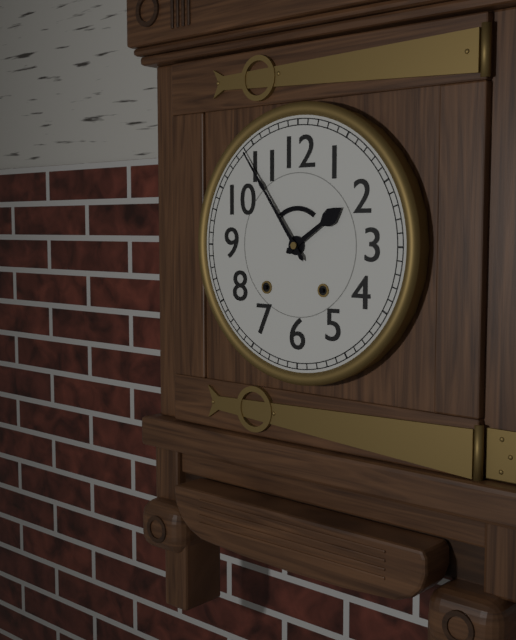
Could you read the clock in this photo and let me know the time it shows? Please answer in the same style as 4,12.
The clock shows 1,54
